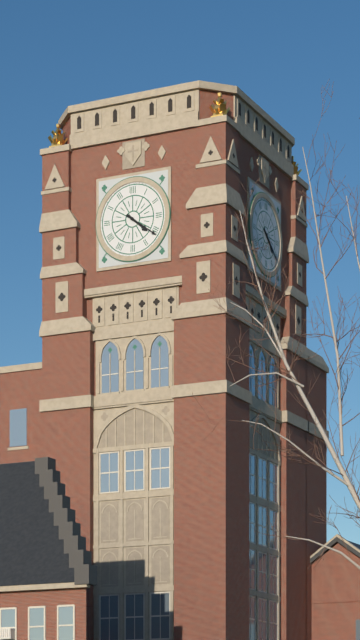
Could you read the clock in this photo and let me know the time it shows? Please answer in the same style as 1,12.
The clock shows 4,21
